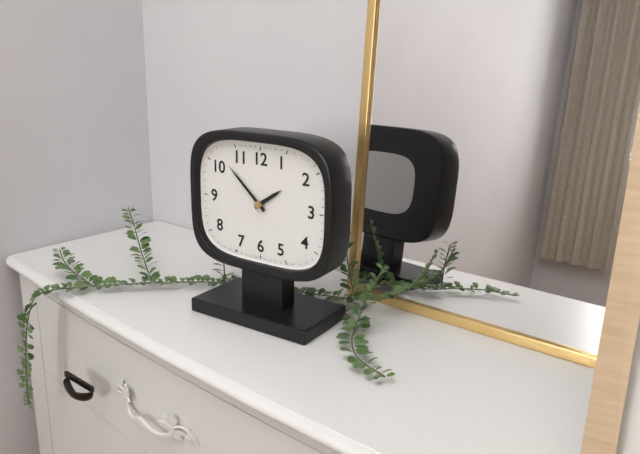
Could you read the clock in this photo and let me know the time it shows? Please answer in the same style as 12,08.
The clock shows 1,52
